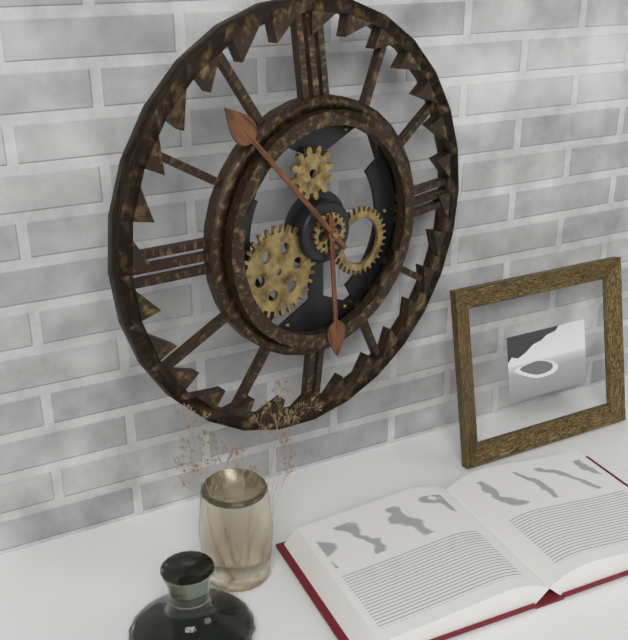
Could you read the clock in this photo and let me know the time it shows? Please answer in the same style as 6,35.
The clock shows 5,53
